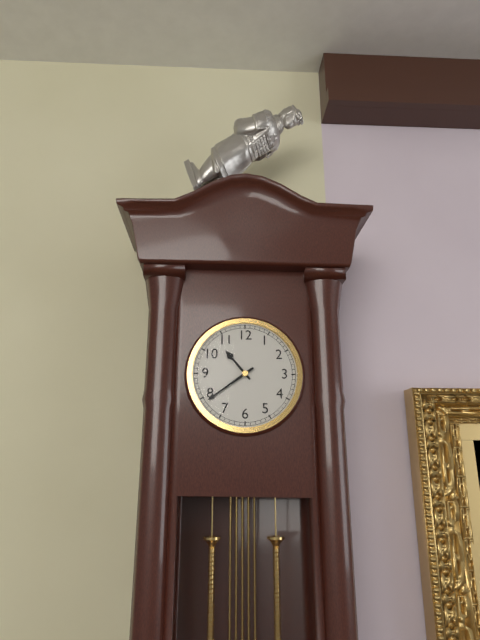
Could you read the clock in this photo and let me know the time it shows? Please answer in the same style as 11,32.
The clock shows 10,39
